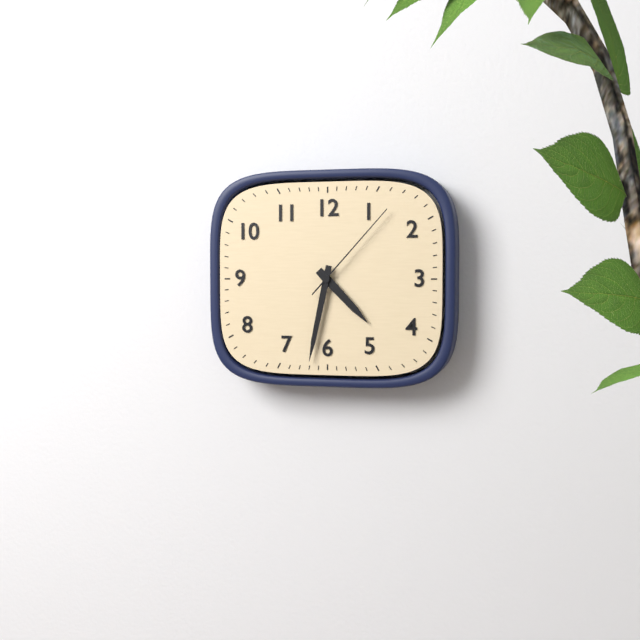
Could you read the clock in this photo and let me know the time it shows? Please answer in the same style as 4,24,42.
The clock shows 4,32,07
